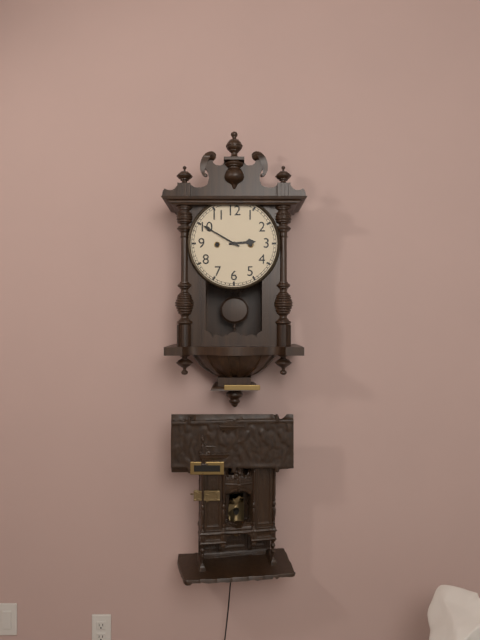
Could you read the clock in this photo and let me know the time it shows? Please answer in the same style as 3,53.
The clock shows 2,50
